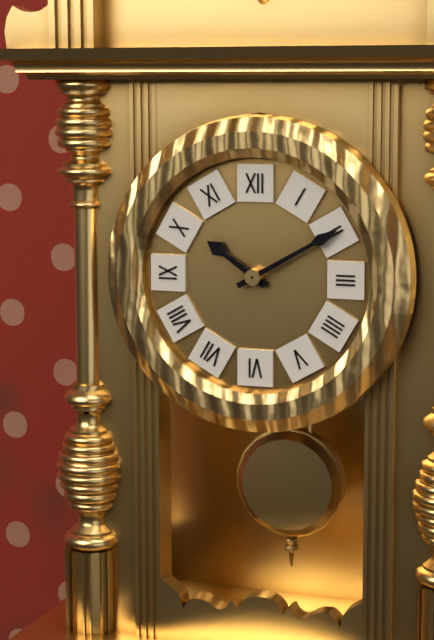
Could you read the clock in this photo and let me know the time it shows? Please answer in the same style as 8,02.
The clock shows 10,10
